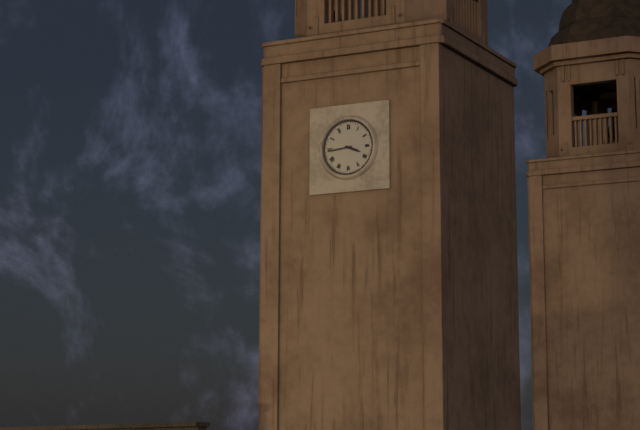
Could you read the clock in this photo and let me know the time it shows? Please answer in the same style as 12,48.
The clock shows 3,44
